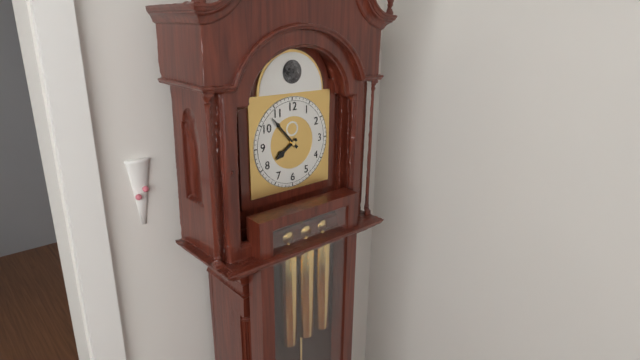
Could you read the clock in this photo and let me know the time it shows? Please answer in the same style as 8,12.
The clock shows 7,53
